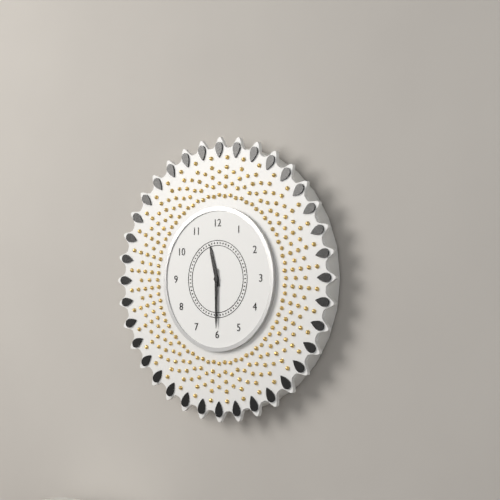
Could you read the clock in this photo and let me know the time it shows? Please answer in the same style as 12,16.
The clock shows 11,30
